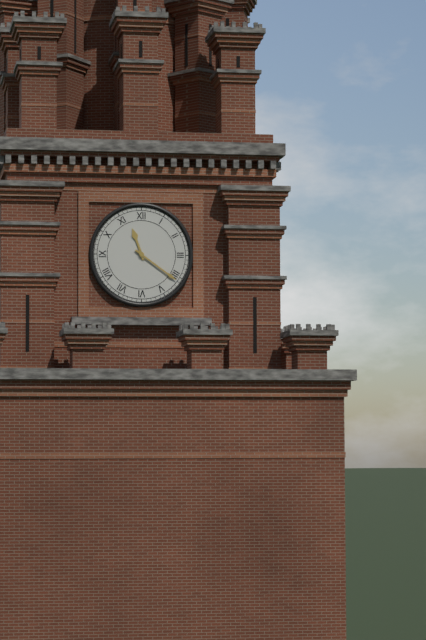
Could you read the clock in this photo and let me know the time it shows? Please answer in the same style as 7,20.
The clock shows 11,21
